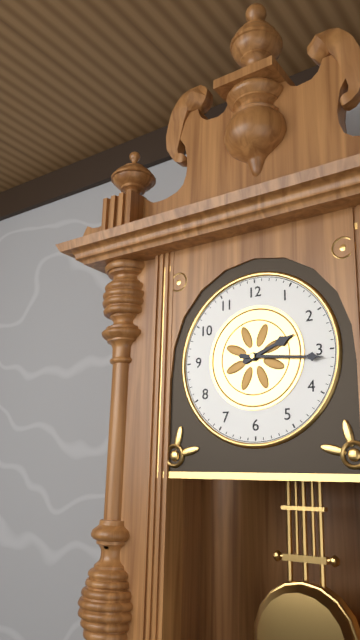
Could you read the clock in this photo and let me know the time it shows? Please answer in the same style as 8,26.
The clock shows 2,16
